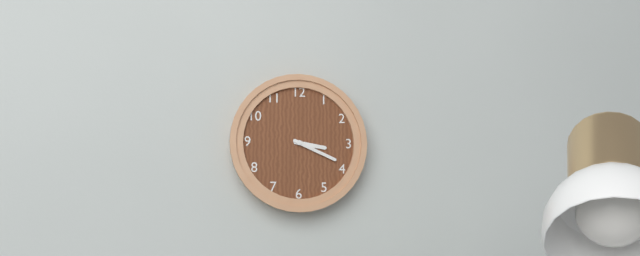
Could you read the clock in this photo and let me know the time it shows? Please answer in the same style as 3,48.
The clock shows 3,19
